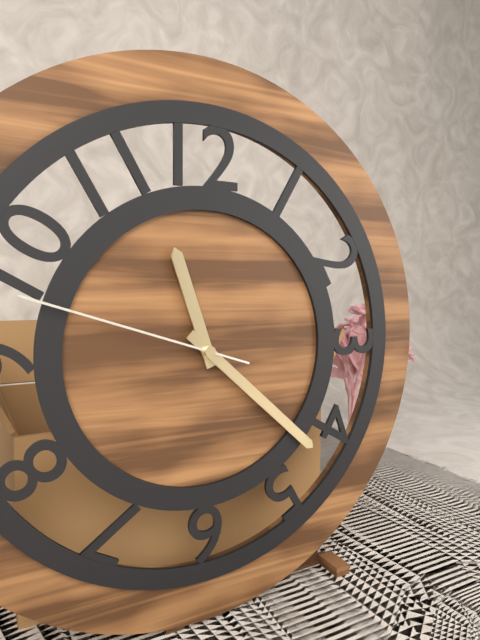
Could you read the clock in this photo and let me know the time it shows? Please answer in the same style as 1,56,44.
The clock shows 11,22,48
